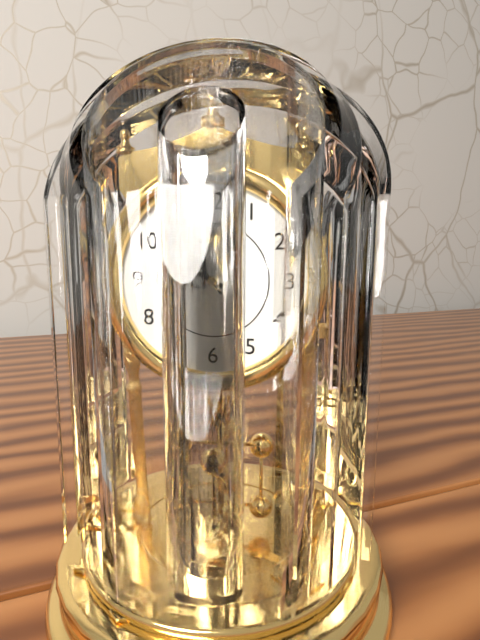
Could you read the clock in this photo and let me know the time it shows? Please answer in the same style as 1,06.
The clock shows 9,54
